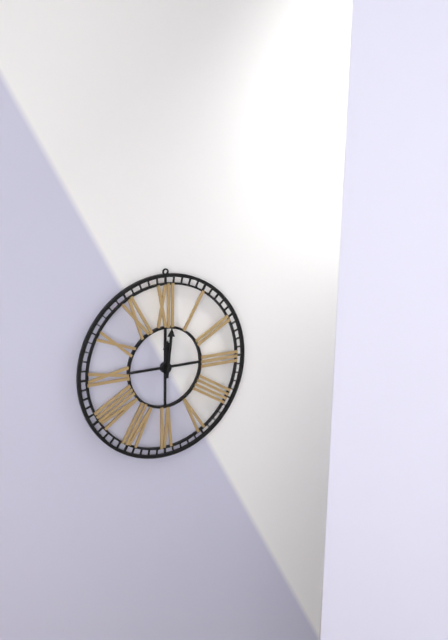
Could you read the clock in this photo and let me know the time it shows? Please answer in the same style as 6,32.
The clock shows 12,01
